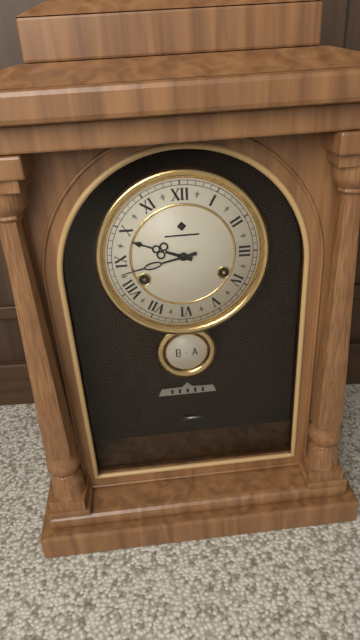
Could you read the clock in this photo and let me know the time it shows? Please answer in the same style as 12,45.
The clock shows 9,43
